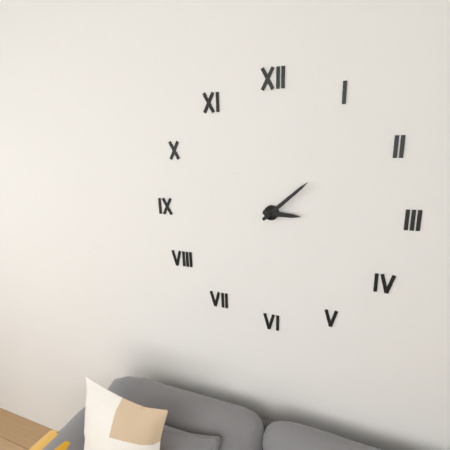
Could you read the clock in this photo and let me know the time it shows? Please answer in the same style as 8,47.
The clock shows 3,08
